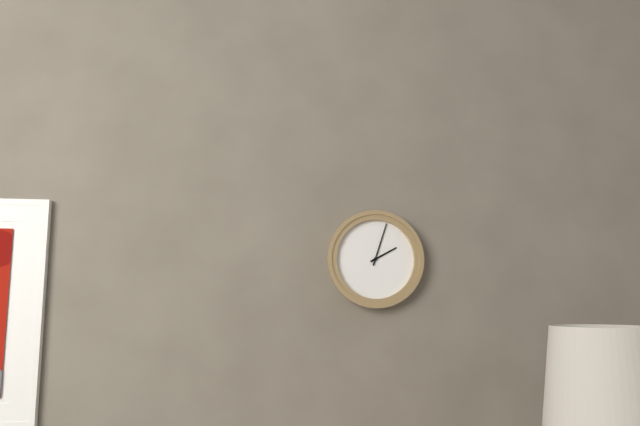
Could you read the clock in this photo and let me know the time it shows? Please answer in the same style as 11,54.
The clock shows 2,03
